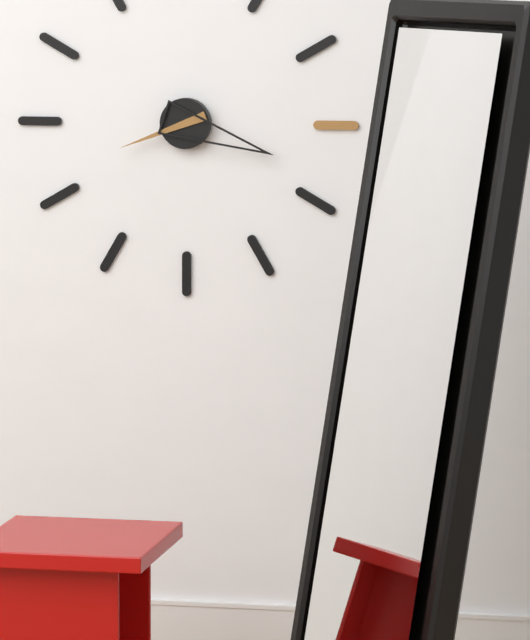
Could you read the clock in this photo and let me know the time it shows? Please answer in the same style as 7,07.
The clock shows 8,18
